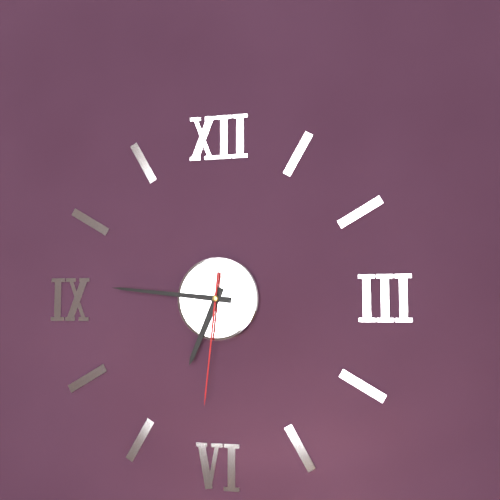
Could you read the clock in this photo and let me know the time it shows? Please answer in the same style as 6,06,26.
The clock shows 6,46,31
